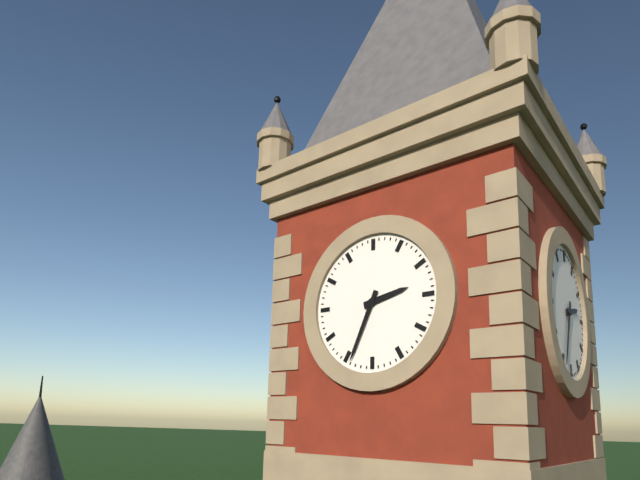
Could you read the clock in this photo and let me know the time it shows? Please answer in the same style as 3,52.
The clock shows 2,34
